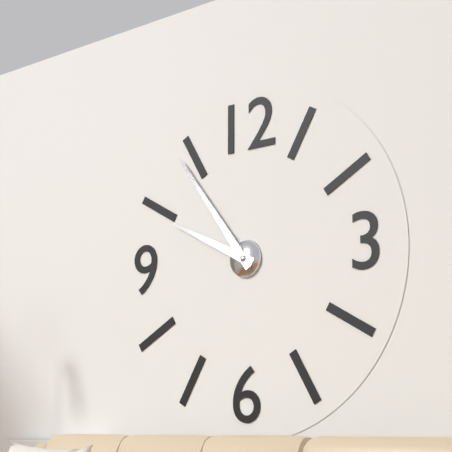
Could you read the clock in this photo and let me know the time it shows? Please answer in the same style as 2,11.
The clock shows 9,54
